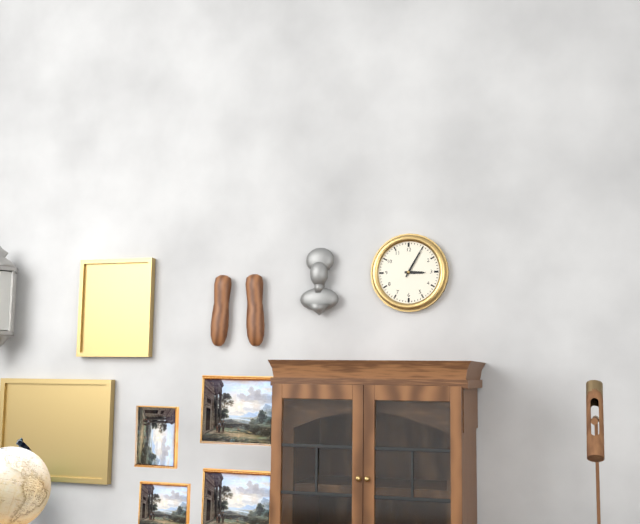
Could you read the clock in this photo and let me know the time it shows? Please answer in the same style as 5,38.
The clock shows 3,05
